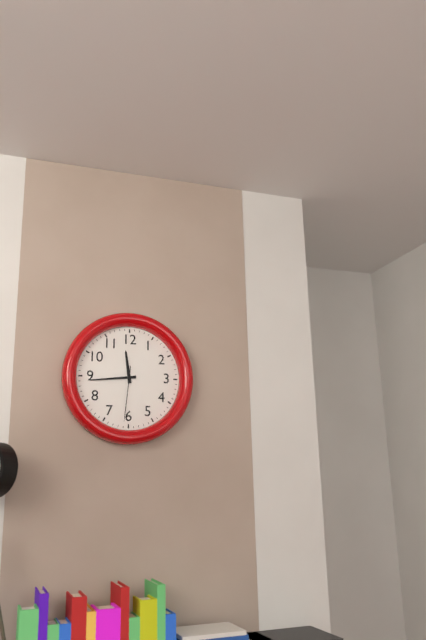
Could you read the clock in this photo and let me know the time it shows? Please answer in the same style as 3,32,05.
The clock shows 11,44,31
